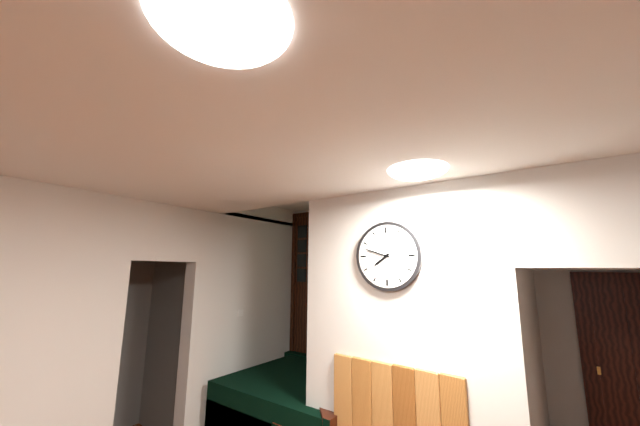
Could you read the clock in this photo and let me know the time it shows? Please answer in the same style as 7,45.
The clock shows 7,48
